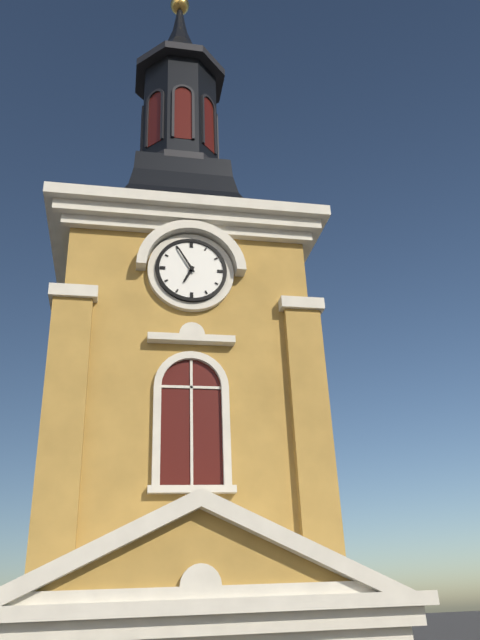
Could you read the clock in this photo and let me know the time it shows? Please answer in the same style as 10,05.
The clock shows 6,55
